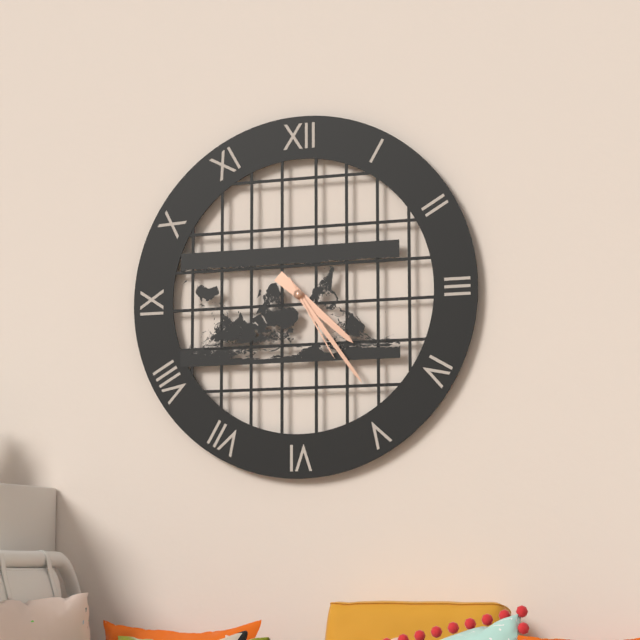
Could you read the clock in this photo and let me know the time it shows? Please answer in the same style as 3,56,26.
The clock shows 4,24,25
